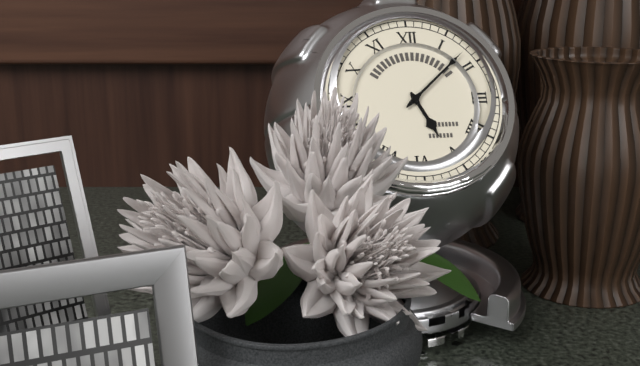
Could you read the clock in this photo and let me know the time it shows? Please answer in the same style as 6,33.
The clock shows 5,08
